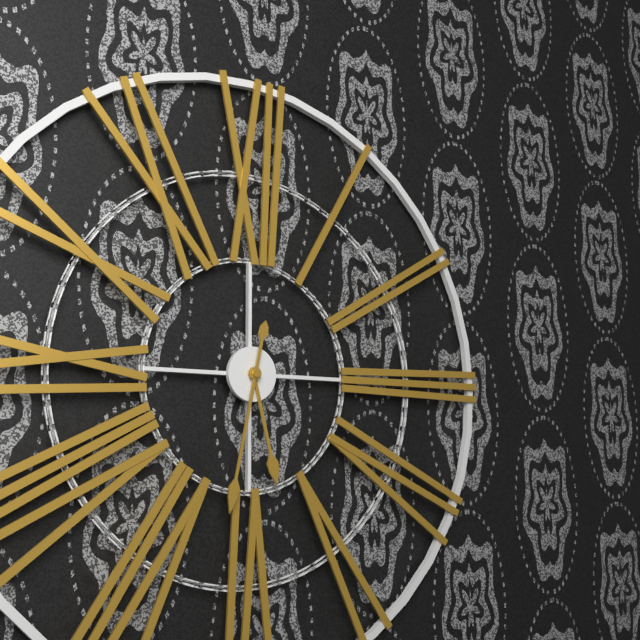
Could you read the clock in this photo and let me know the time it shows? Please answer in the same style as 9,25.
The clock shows 5,32
